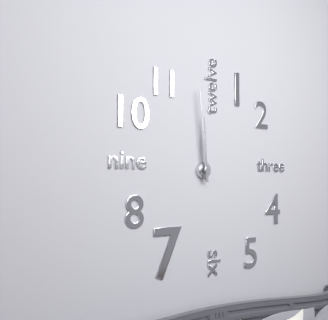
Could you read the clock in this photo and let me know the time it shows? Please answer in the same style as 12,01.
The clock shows 11,59
